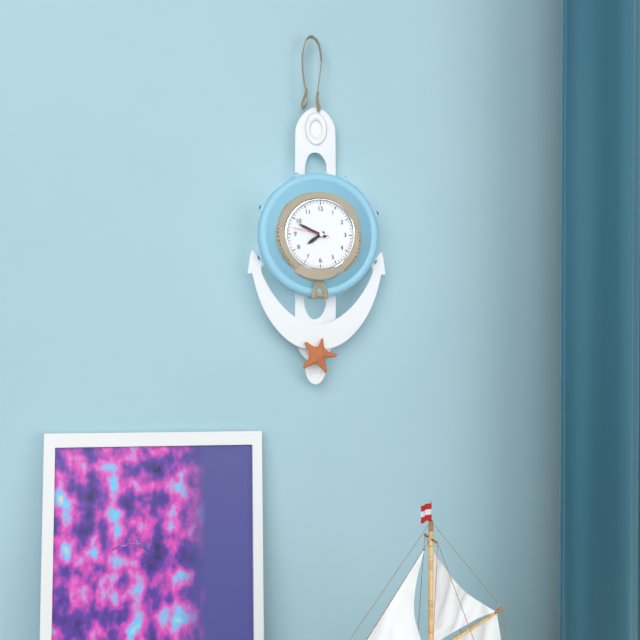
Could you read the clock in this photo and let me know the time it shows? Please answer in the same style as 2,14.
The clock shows 7,49
